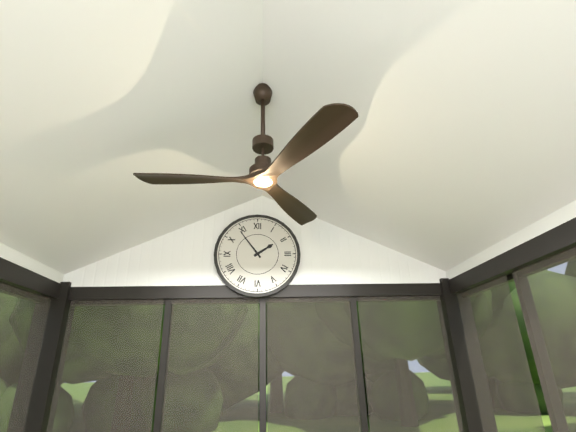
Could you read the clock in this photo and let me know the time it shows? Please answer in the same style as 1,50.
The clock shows 1,54
